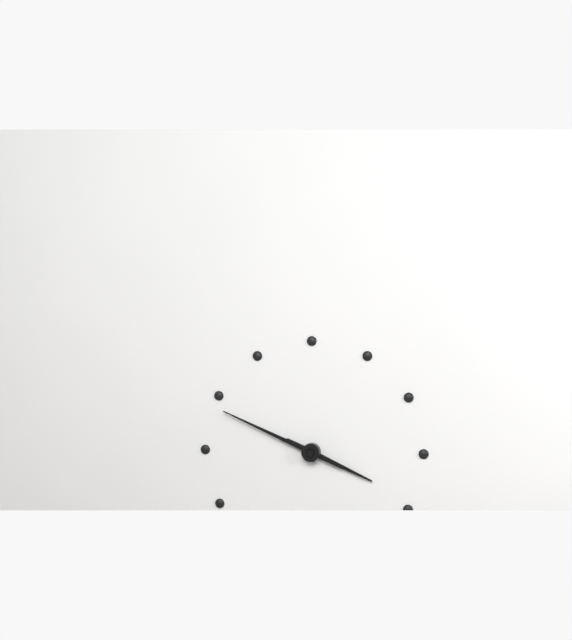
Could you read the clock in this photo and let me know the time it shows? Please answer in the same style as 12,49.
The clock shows 3,49
